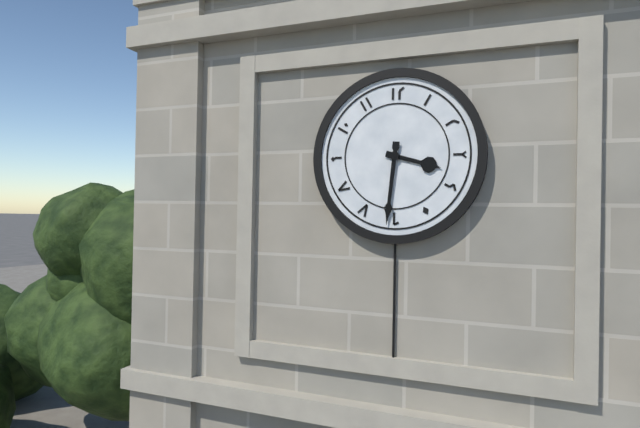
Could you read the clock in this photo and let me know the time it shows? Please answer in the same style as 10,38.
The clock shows 3,31
